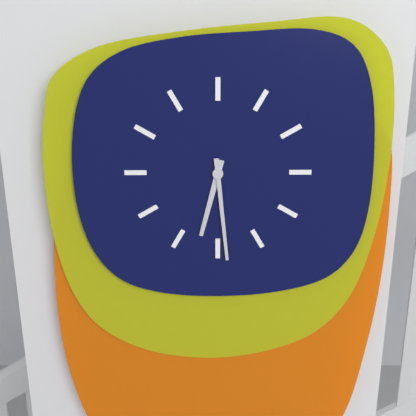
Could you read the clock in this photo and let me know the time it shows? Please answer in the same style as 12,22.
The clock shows 6,29
